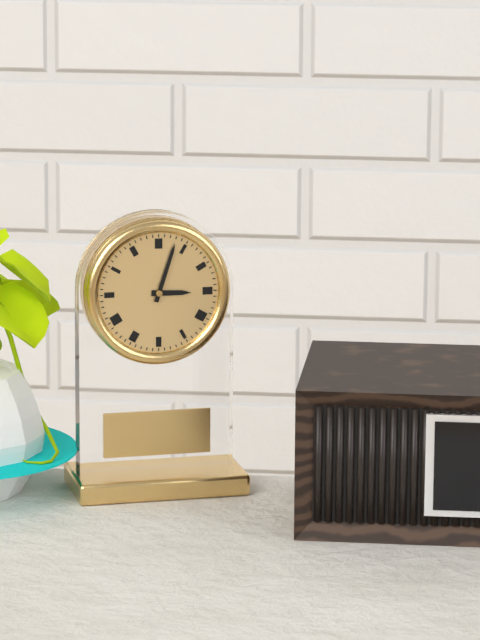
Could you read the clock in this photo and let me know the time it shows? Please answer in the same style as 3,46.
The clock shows 3,03
